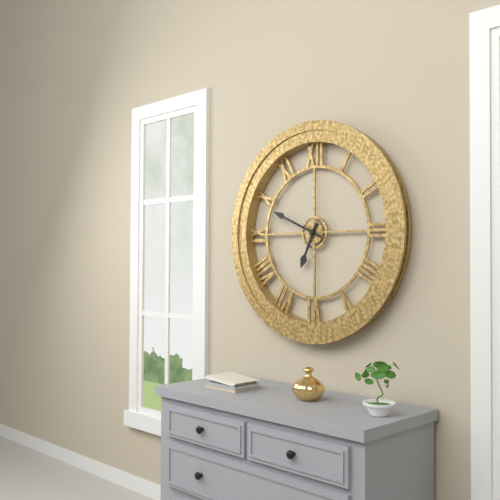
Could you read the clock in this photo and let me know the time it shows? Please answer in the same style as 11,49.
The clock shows 6,49
